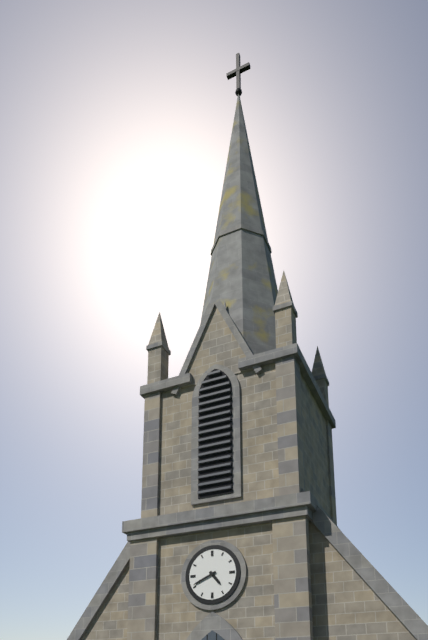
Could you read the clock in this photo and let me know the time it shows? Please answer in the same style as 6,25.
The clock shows 4,41
